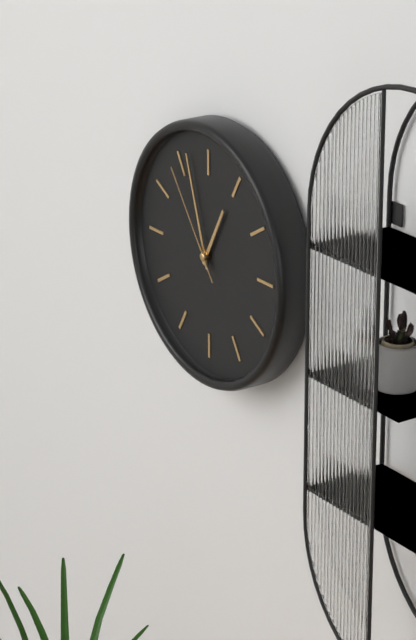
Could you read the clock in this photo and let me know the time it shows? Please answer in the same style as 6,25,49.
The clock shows 12,57,54
